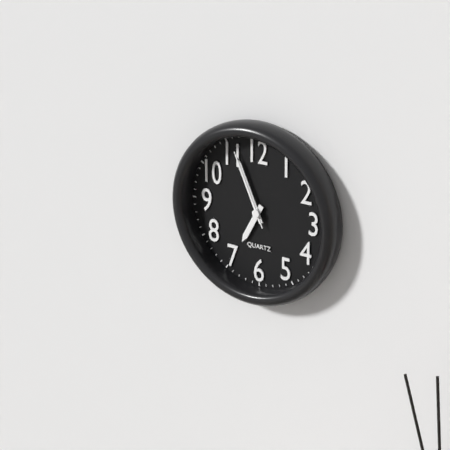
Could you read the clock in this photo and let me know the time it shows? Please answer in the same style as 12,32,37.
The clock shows 6,56,56
